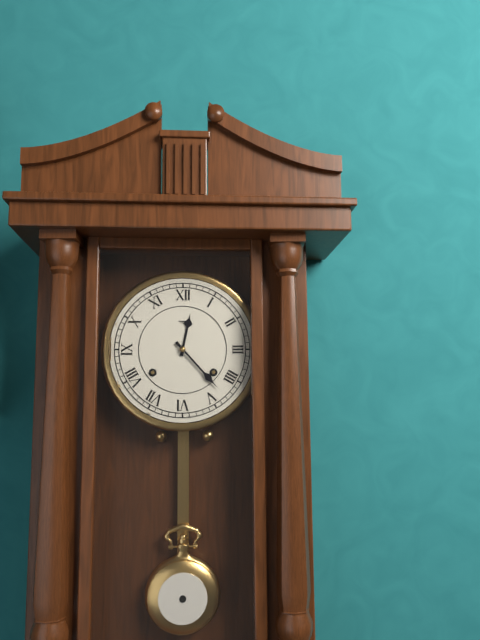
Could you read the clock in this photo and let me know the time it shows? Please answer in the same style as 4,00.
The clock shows 12,23
